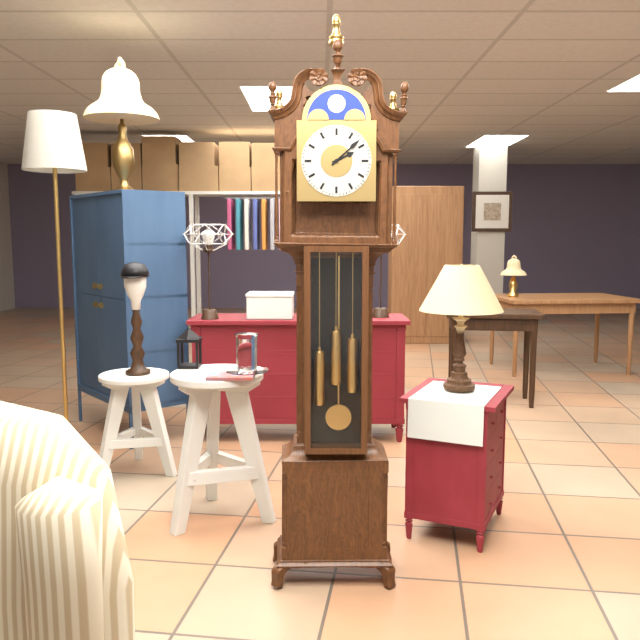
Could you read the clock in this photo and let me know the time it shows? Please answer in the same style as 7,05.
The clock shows 2,08
